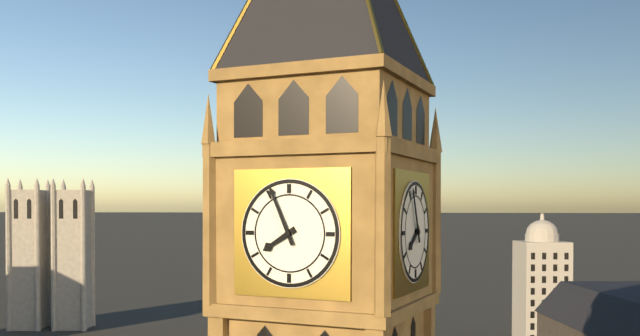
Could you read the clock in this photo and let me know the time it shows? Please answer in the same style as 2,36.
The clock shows 7,56
